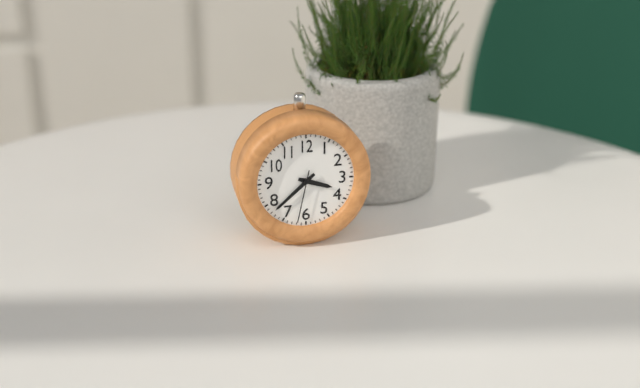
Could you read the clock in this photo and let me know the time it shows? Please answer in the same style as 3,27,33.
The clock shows 3,38,32
